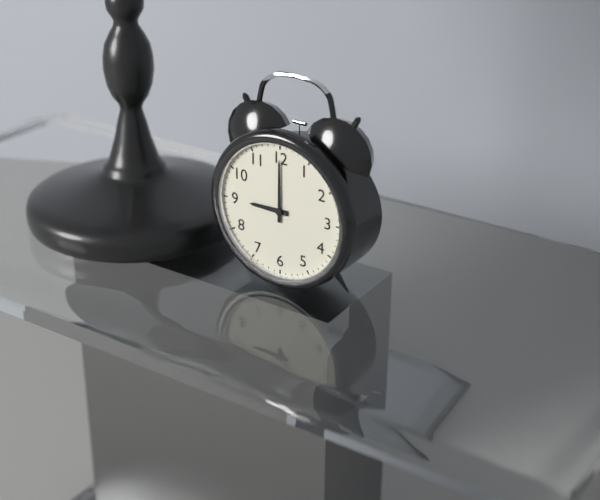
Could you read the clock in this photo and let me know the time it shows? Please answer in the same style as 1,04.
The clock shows 9,00
